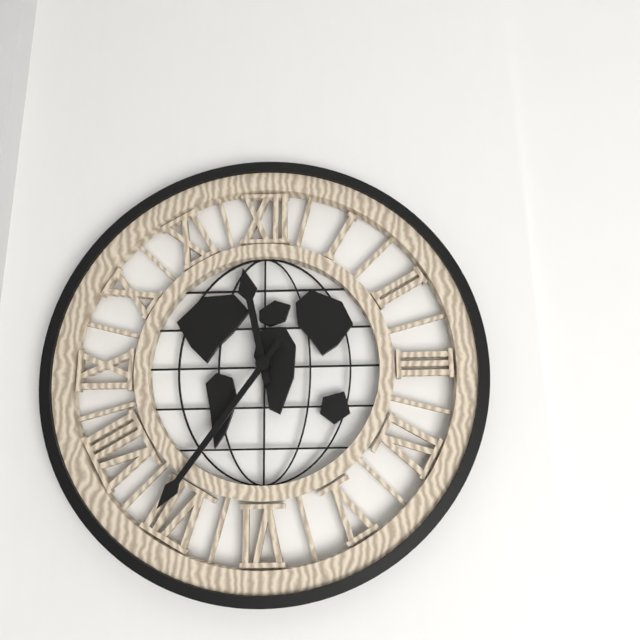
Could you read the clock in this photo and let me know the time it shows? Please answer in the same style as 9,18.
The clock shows 11,36
